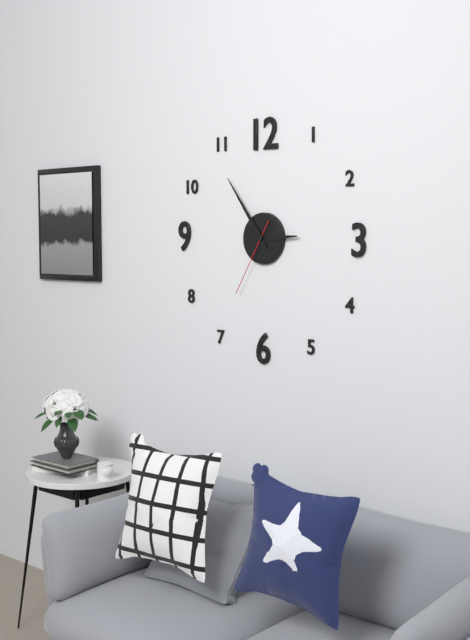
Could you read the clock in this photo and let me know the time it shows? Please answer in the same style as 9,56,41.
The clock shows 2,54,35
